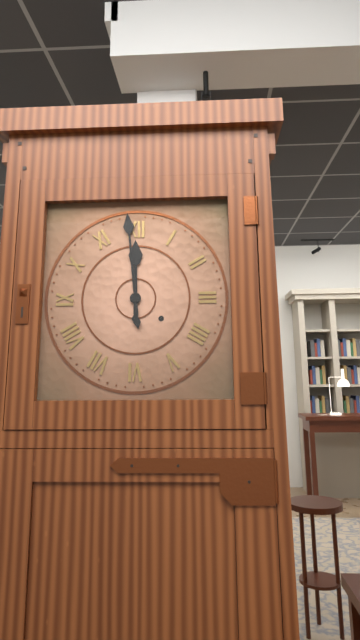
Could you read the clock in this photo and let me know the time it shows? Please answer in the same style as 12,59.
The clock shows 11,59
